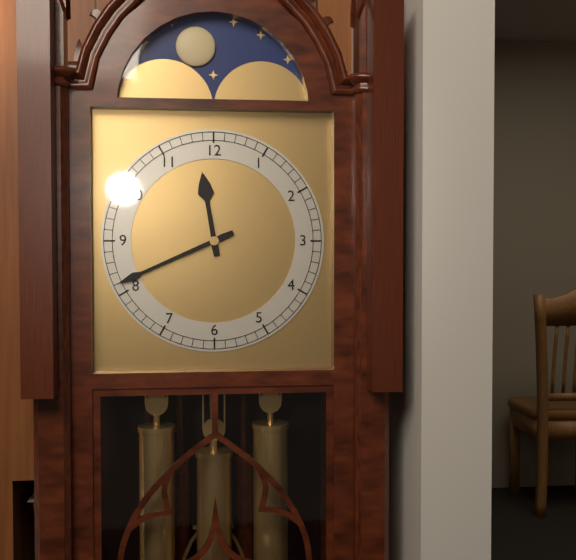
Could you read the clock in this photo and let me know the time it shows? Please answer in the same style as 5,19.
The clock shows 11,41
